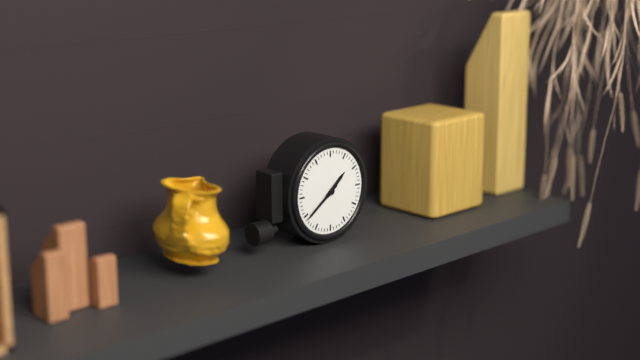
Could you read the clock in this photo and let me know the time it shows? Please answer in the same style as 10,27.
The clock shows 1,39
